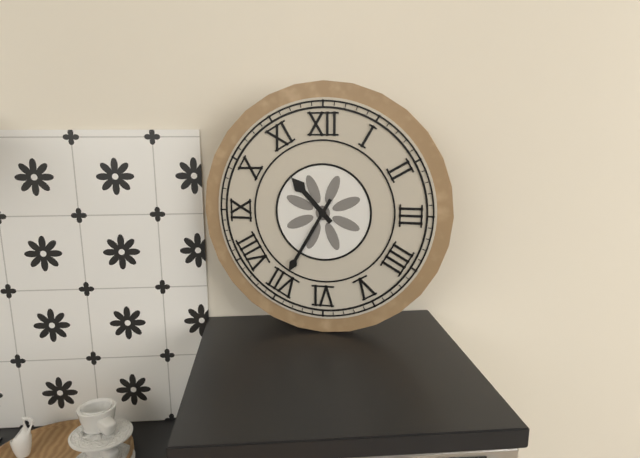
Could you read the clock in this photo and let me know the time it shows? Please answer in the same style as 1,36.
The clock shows 10,35
